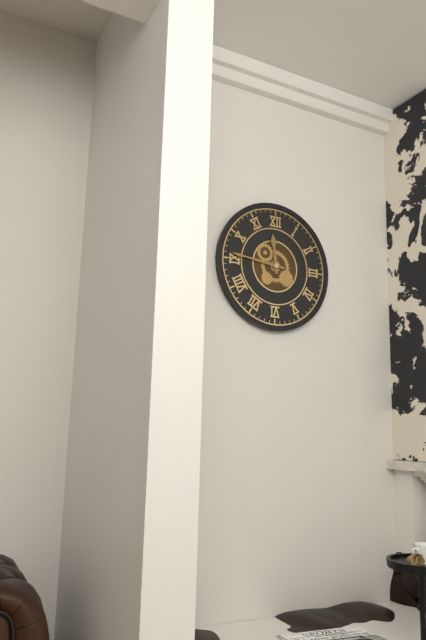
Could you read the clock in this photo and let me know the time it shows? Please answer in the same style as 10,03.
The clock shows 11,46
